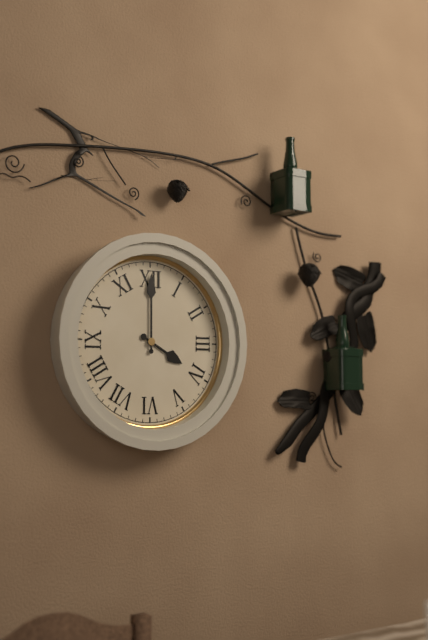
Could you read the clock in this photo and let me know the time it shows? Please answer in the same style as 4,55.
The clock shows 4,00
